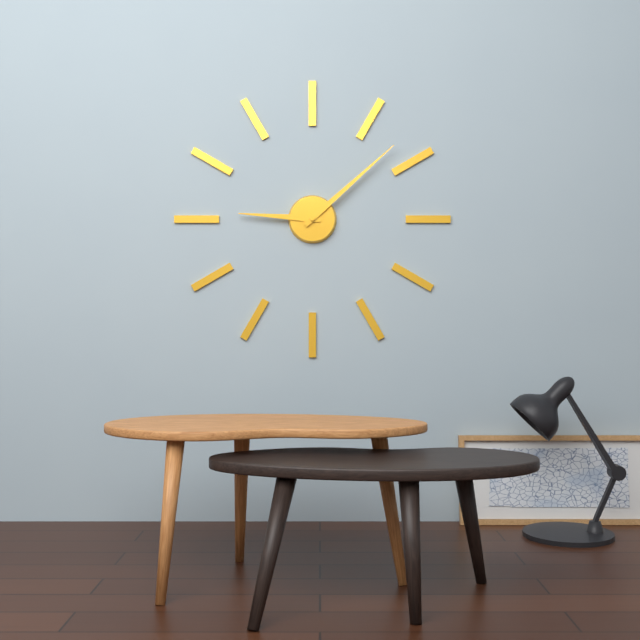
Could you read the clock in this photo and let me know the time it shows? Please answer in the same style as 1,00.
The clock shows 9,08
